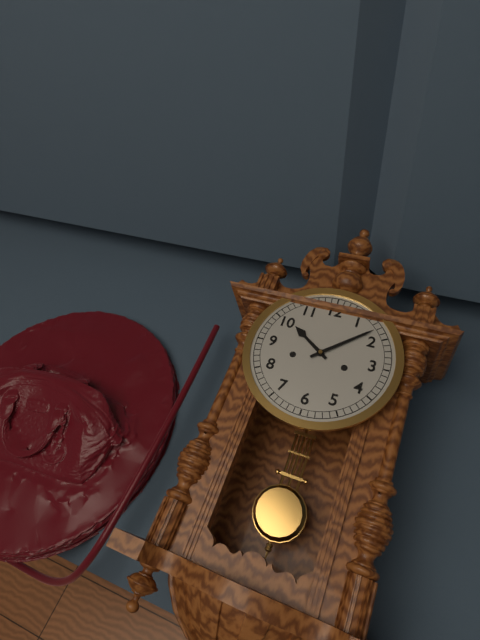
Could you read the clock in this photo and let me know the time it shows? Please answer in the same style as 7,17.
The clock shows 10,08
